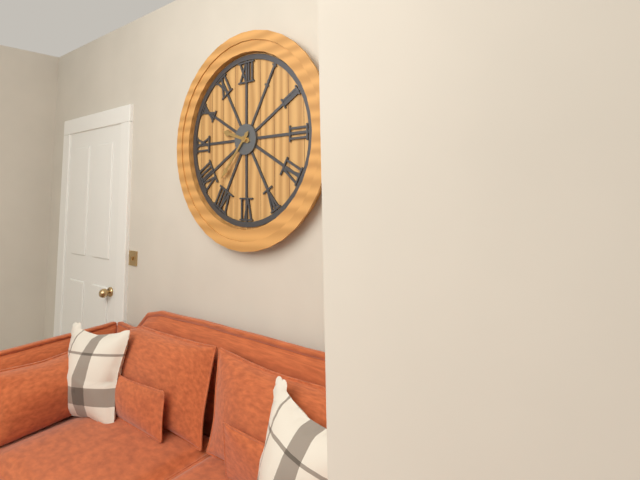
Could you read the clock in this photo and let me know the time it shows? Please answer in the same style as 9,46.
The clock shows 9,37
